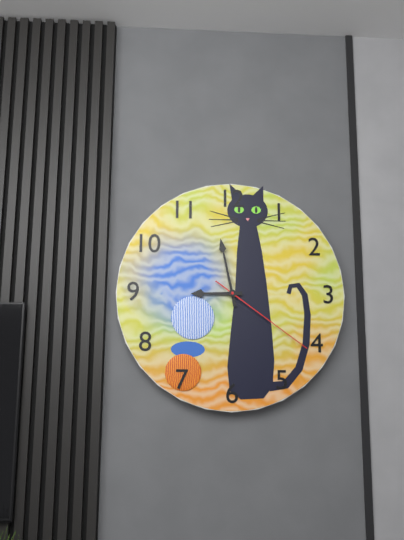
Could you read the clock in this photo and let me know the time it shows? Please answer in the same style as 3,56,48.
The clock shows 8,58,21
